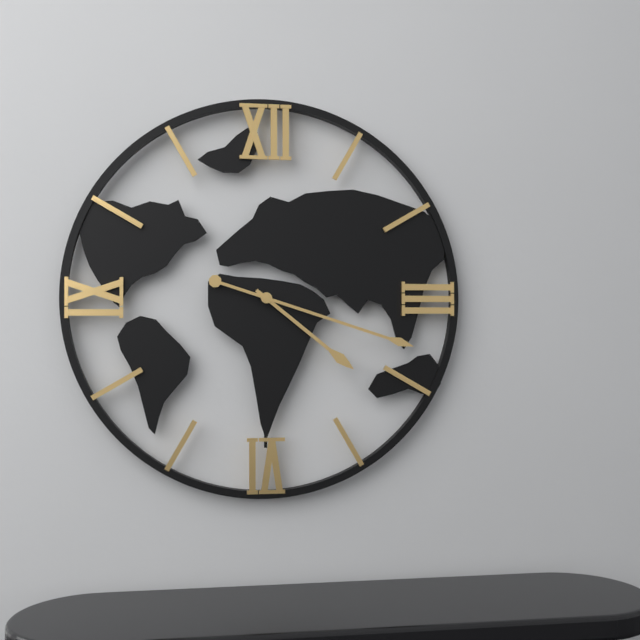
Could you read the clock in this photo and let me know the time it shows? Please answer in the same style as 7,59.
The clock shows 4,18
